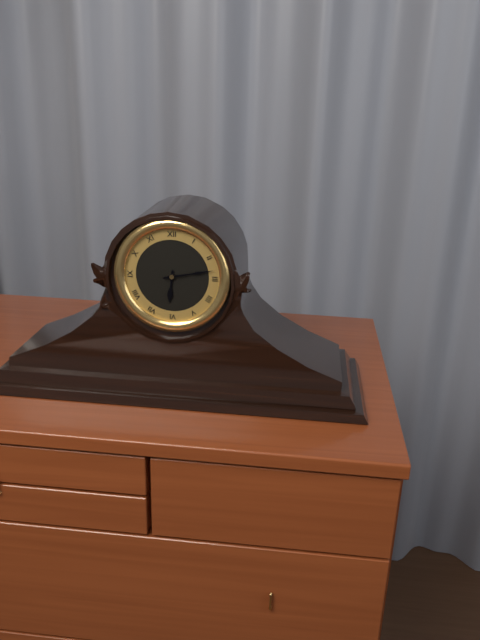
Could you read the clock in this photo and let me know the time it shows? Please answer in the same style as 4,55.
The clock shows 6,13
